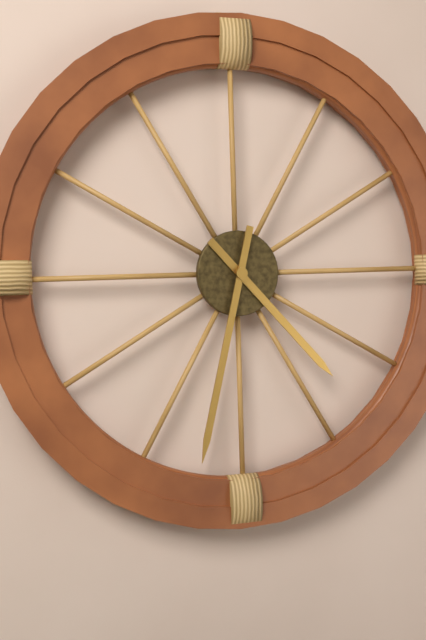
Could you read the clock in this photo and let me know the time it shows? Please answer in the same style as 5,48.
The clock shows 4,32
